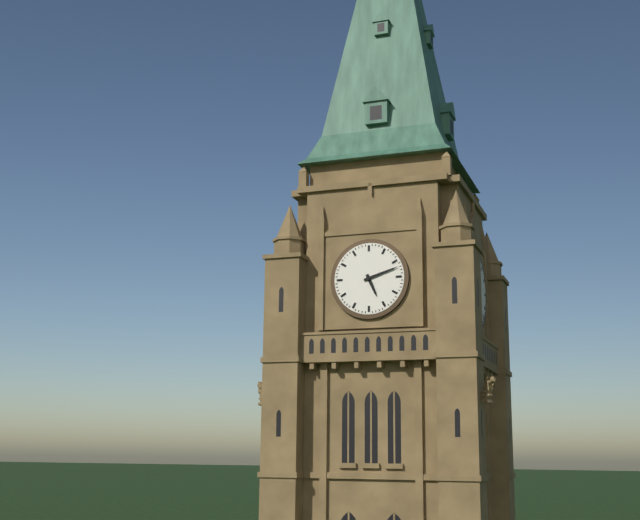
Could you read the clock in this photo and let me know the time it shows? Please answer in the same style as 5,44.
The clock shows 5,12
